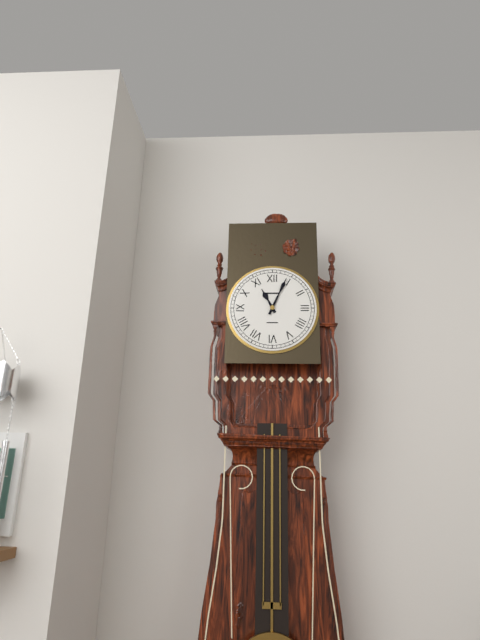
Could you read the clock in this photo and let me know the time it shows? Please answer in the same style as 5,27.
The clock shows 11,04
